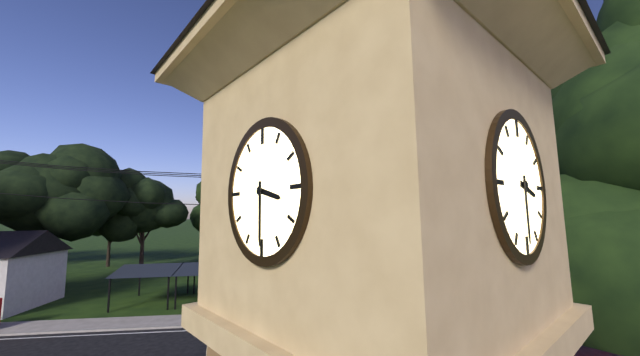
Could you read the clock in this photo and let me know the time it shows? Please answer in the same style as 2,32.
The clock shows 3,30
